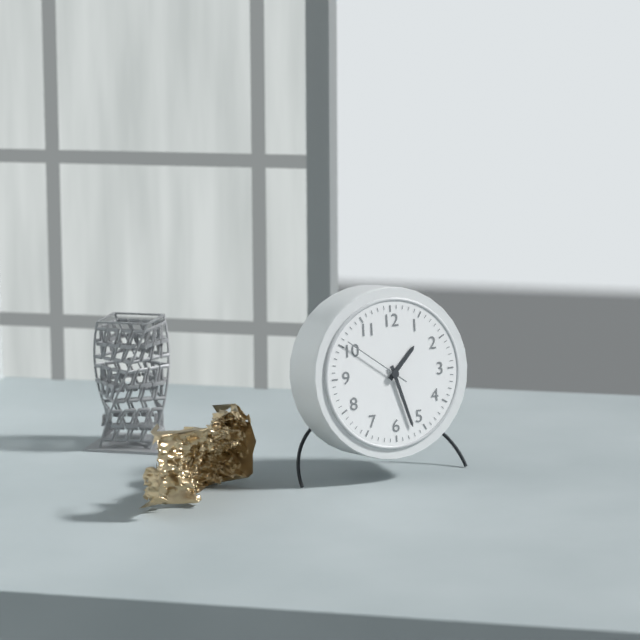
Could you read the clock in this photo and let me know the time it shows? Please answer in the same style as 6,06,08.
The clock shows 1,27,51
